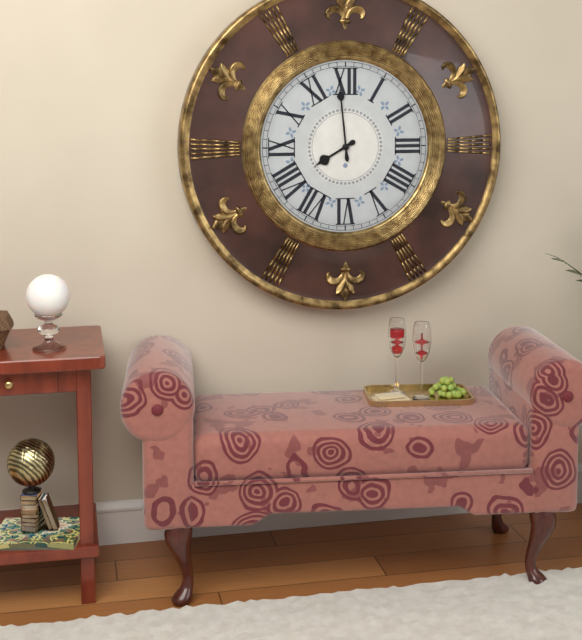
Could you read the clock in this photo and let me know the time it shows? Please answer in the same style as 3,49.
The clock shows 7,59
